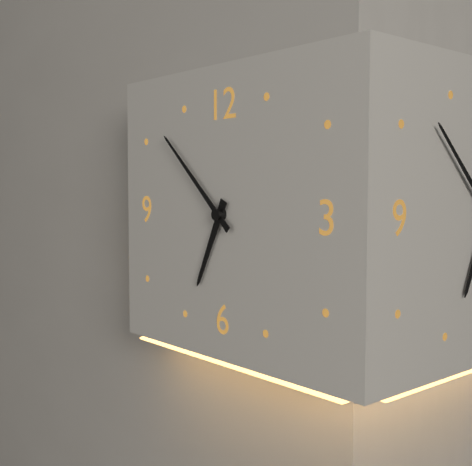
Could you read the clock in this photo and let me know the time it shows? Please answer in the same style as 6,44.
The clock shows 6,52
